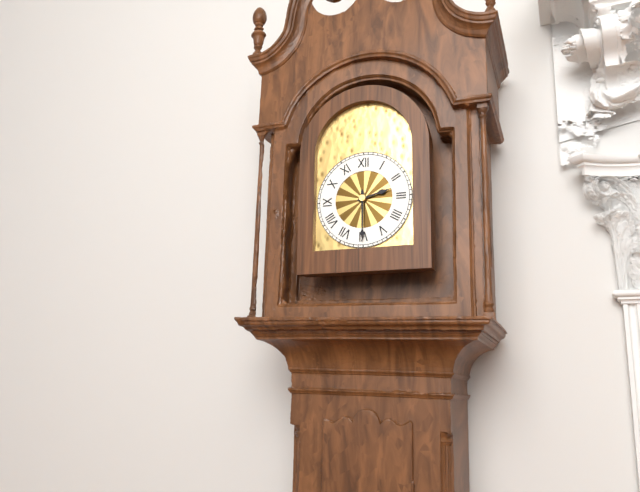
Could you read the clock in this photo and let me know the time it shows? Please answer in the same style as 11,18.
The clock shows 2,30
